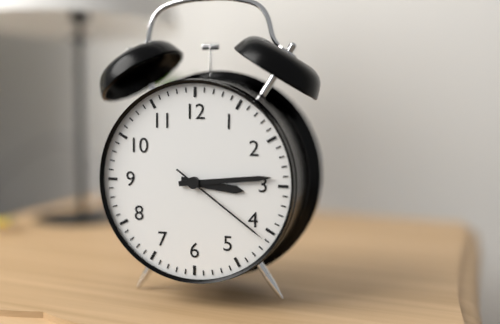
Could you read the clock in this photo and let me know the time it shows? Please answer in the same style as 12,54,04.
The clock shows 3,14,21
